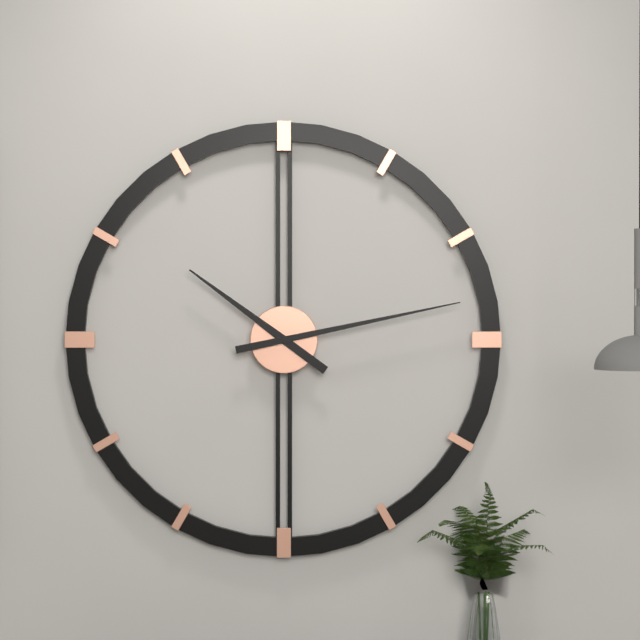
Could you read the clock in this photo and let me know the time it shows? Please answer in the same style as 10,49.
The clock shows 10,13
